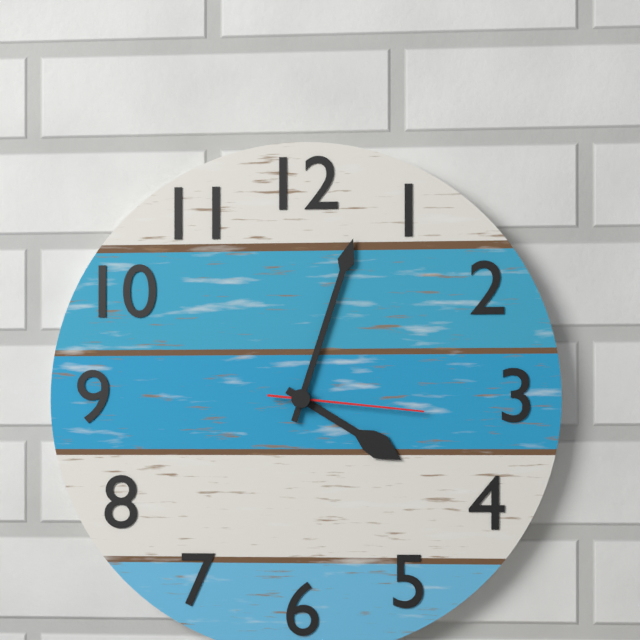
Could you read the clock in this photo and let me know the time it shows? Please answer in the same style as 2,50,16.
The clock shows 4,03,16
